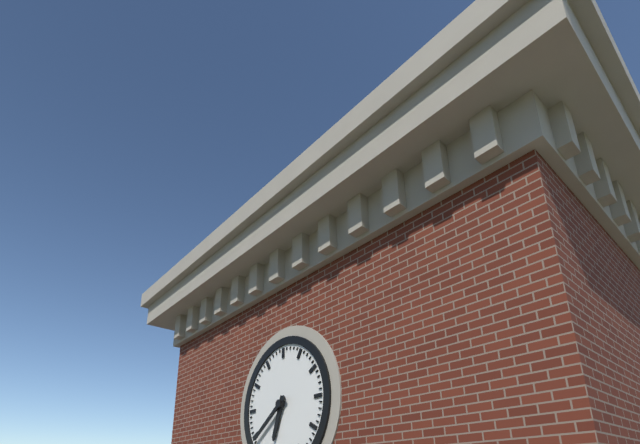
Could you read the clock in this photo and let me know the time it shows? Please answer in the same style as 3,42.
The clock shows 6,39
